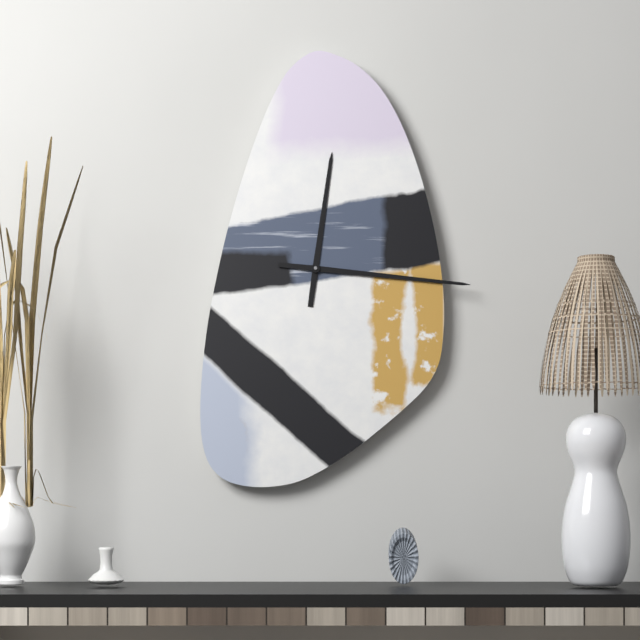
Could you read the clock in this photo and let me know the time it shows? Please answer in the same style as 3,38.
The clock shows 12,16
